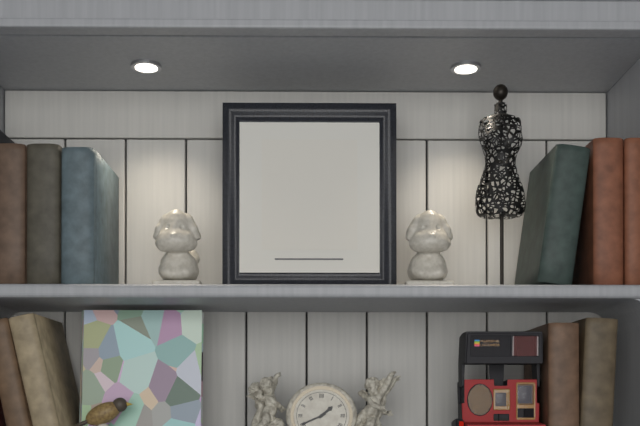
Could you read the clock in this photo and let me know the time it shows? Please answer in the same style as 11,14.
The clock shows 1,41
